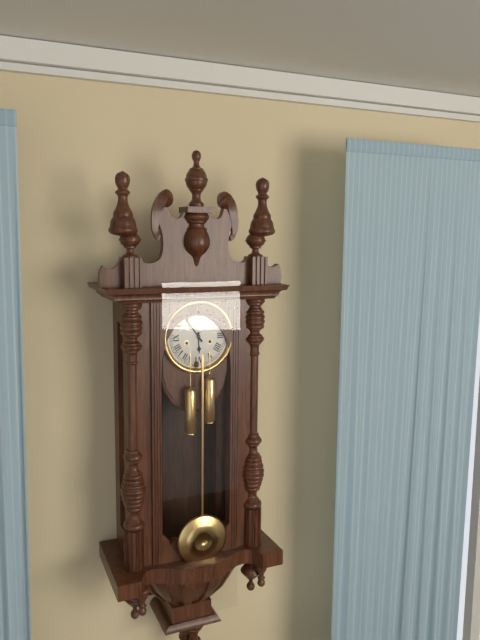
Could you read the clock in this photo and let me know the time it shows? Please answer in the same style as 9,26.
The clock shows 5,54
